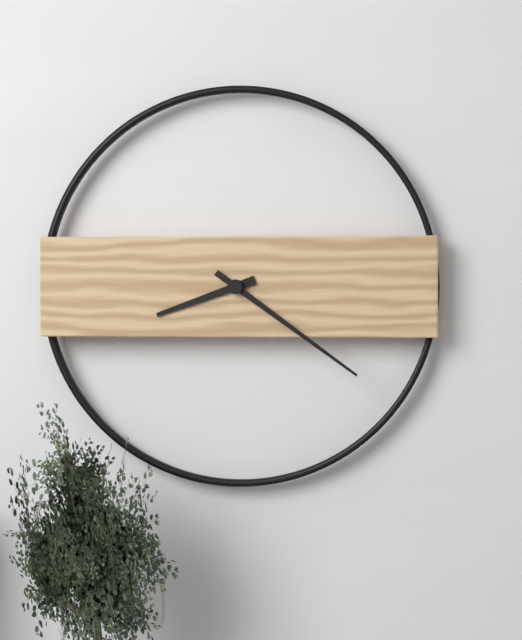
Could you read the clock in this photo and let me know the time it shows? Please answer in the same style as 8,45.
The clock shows 8,21
